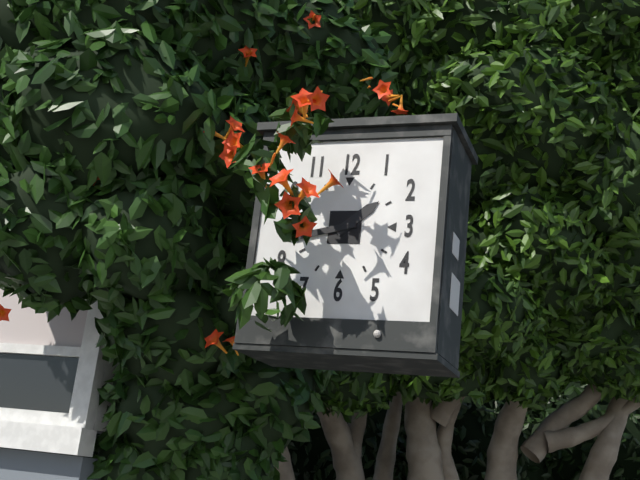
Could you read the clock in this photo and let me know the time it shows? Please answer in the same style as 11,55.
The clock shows 1,43
